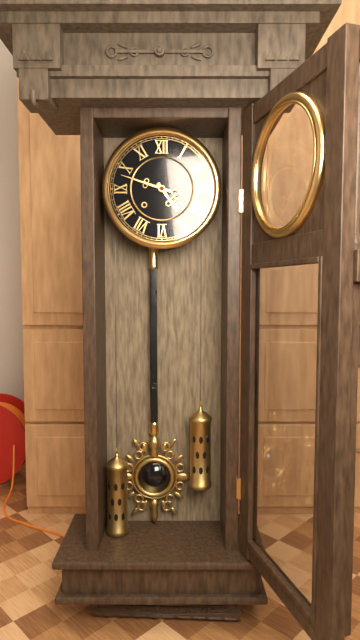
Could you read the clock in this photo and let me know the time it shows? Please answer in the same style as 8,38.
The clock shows 4,48
